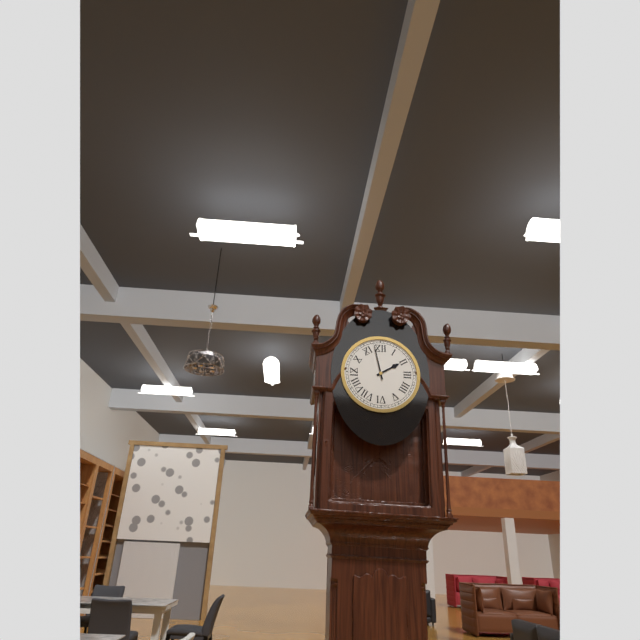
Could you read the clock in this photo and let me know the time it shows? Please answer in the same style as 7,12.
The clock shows 1,58
